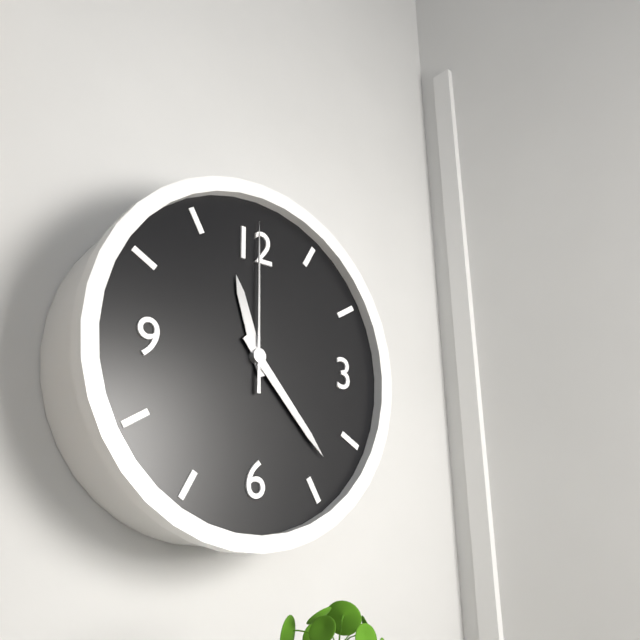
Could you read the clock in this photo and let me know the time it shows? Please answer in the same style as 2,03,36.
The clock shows 11,23,00
